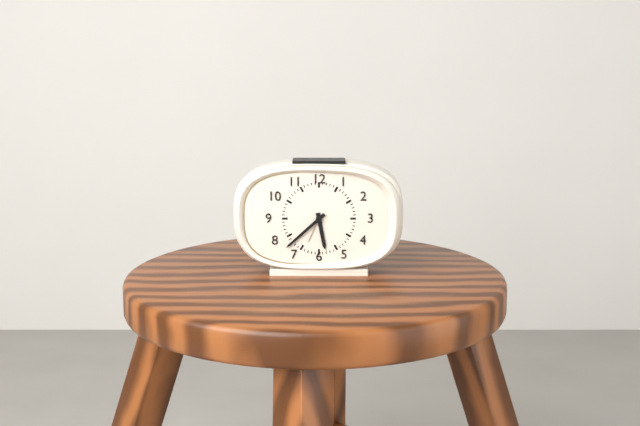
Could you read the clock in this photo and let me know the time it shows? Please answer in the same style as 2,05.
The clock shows 5,38
